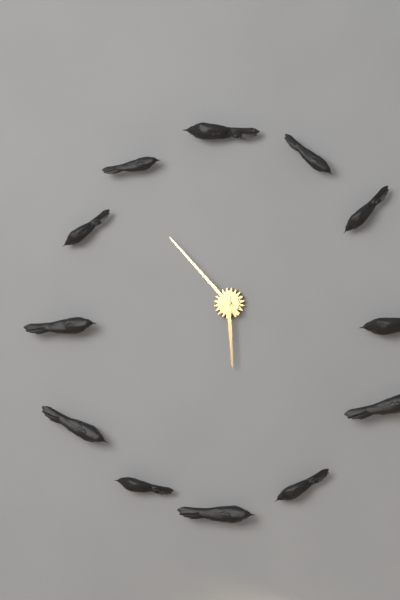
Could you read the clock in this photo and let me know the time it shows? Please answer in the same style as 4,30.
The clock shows 5,53
